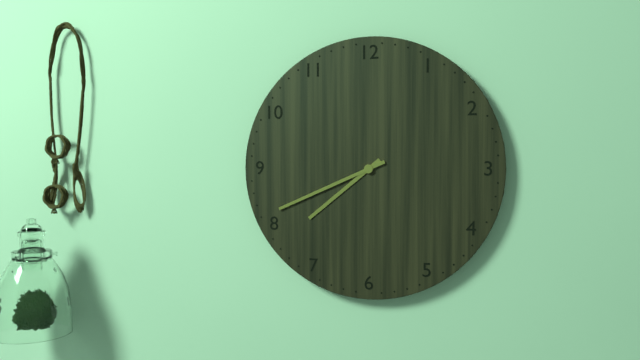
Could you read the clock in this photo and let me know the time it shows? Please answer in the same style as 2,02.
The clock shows 7,41
